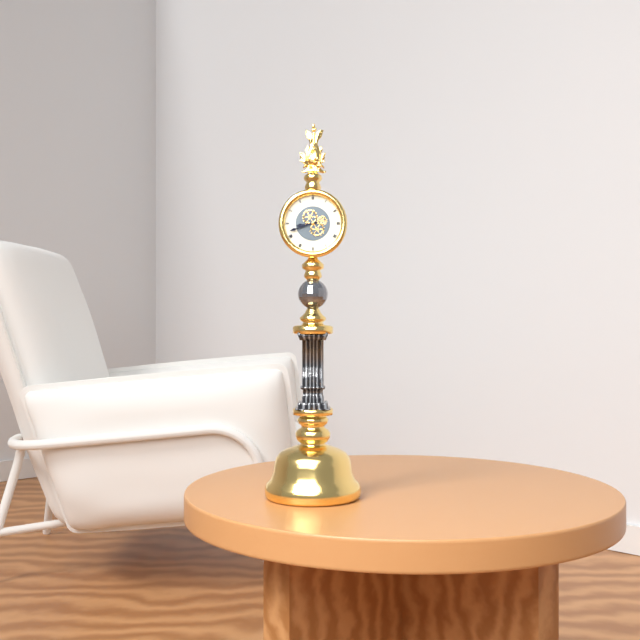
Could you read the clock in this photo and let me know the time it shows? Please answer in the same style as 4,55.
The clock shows 8,42
